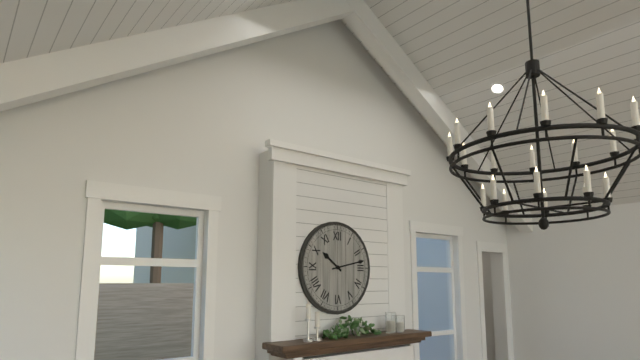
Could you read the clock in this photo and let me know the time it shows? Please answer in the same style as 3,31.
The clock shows 10,13
